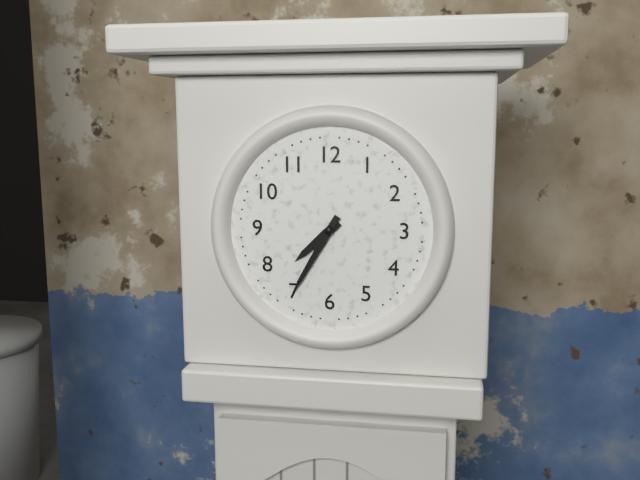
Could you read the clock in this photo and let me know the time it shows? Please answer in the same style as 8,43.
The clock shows 7,35
